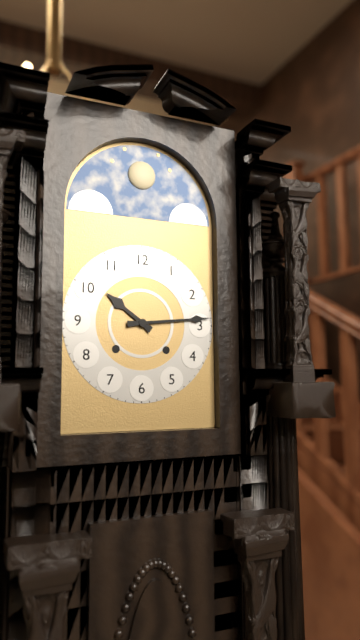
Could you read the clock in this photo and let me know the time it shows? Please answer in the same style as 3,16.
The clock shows 10,14
